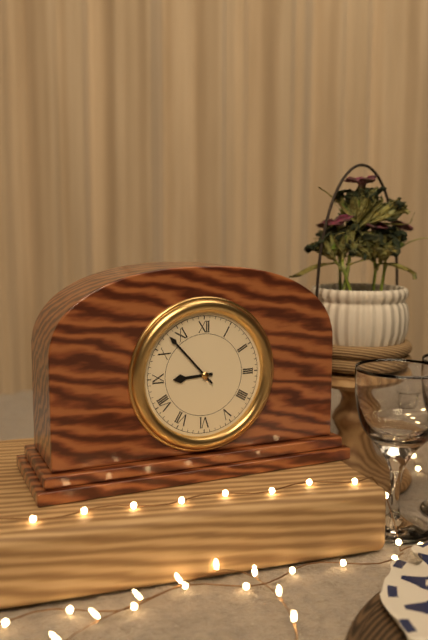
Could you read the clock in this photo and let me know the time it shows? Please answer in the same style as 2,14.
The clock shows 8,53
